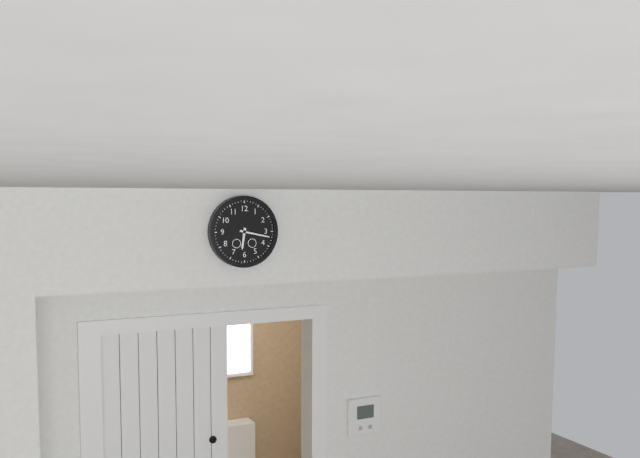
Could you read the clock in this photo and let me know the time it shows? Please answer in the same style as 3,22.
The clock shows 6,17
